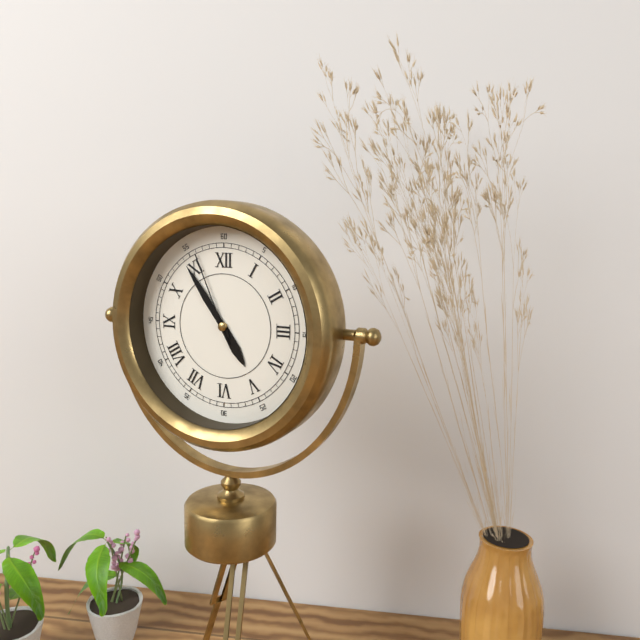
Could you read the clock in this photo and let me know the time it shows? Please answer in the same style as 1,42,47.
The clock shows 4,54,56
